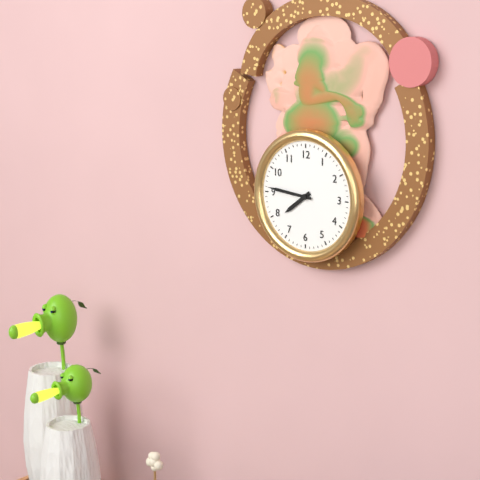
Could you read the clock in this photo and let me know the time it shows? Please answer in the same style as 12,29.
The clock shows 7,46
